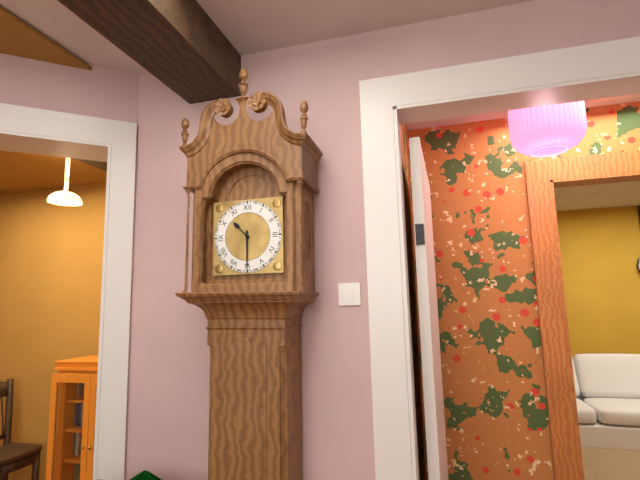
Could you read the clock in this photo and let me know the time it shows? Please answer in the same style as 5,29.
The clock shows 10,30
